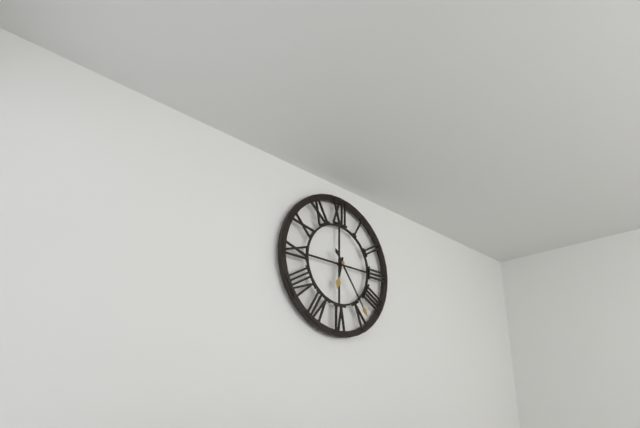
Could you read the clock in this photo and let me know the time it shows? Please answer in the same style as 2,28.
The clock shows 6,24
